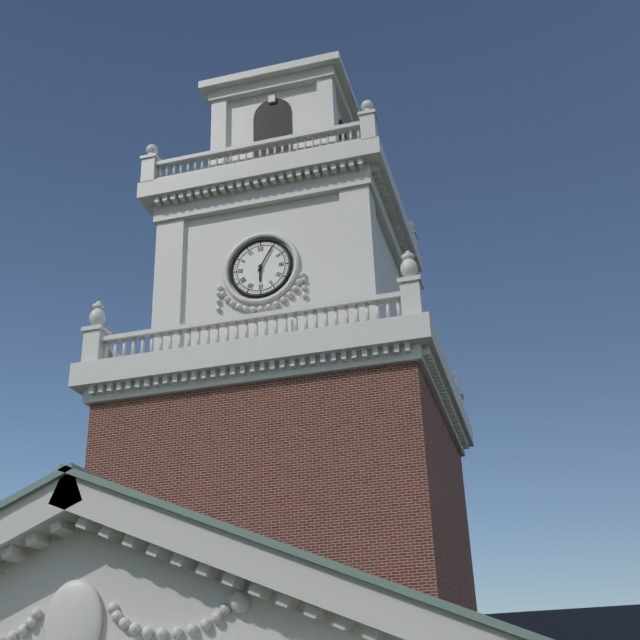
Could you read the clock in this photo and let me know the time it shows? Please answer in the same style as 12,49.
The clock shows 6,05
